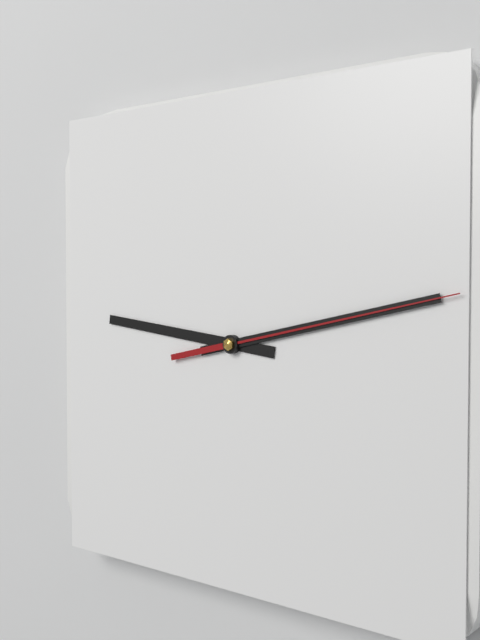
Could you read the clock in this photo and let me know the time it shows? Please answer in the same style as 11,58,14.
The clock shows 9,13,13
